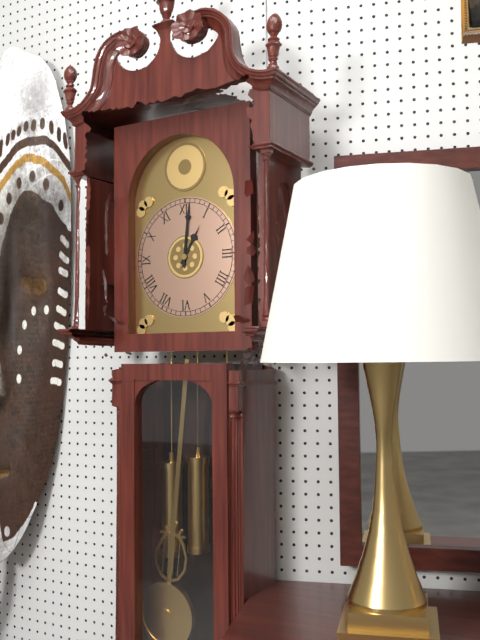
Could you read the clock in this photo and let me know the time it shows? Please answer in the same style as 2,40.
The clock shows 1,01
